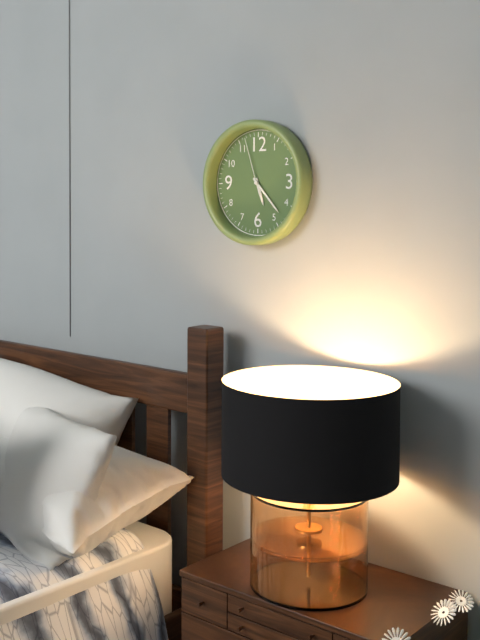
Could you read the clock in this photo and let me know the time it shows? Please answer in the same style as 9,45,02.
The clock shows 5,23,57
